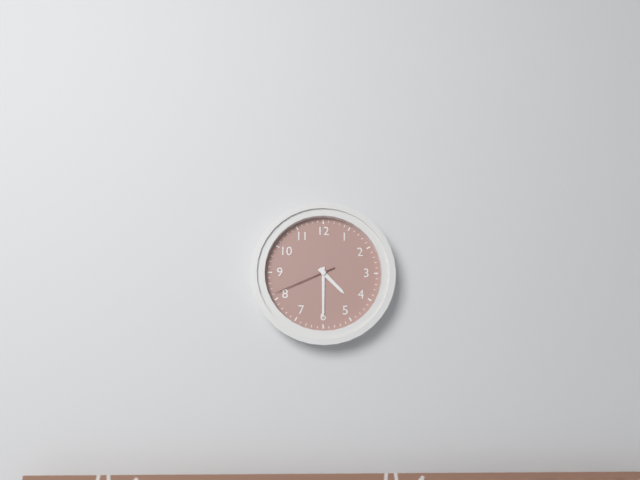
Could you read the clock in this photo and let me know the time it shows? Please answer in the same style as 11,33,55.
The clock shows 4,30,41
